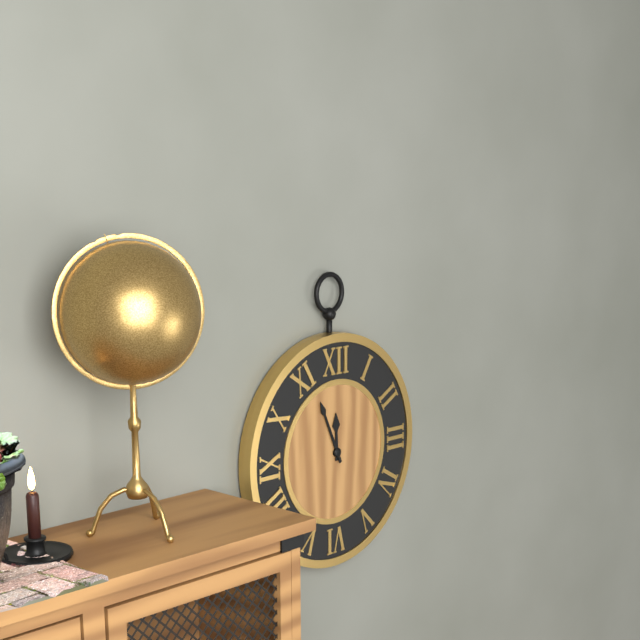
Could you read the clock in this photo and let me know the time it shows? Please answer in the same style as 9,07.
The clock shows 11,56
